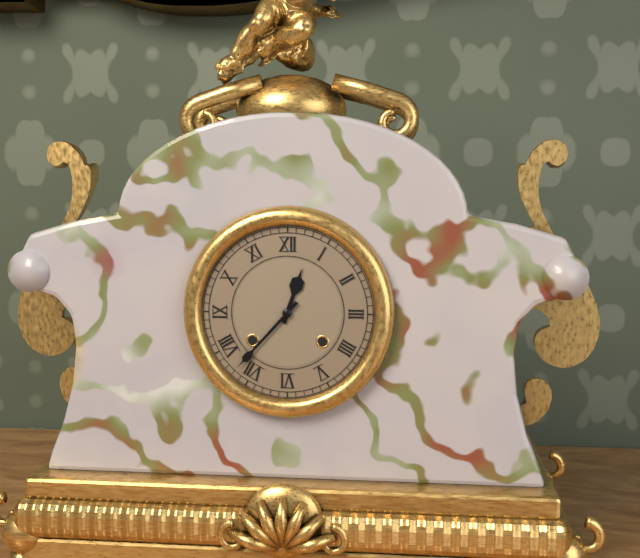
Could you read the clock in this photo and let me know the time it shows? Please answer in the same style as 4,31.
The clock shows 12,37
